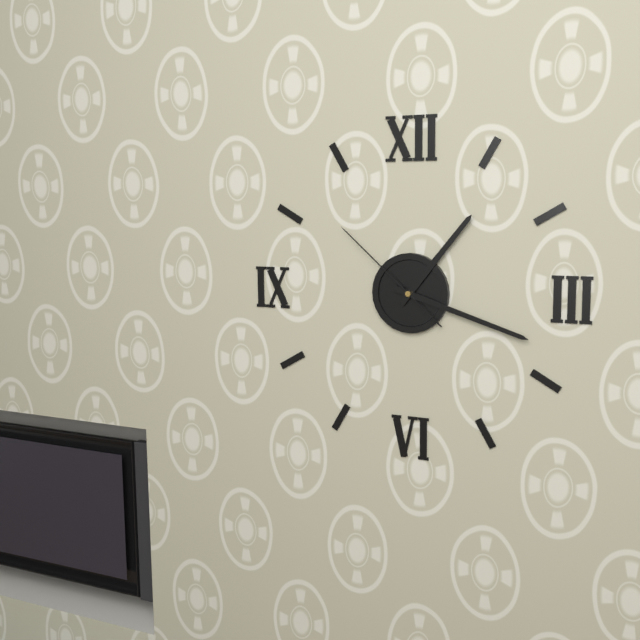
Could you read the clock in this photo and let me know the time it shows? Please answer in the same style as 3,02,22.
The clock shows 1,18,52
